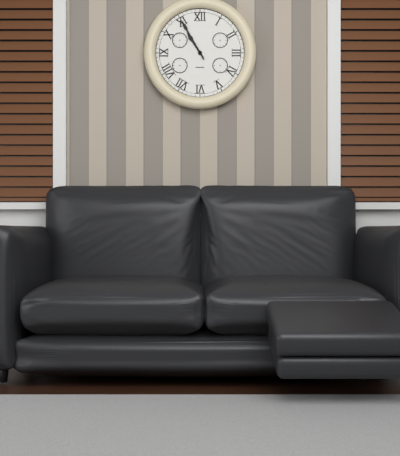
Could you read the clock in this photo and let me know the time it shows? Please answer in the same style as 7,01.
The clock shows 10,55
